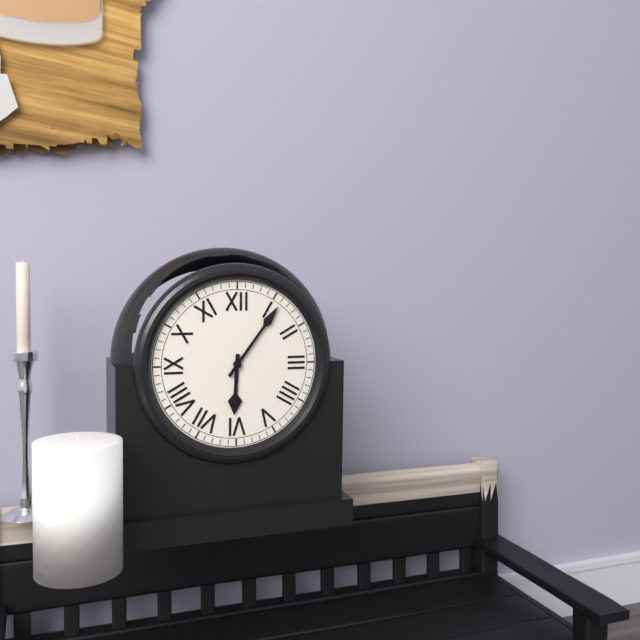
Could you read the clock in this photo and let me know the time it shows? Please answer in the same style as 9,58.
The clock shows 6,06
